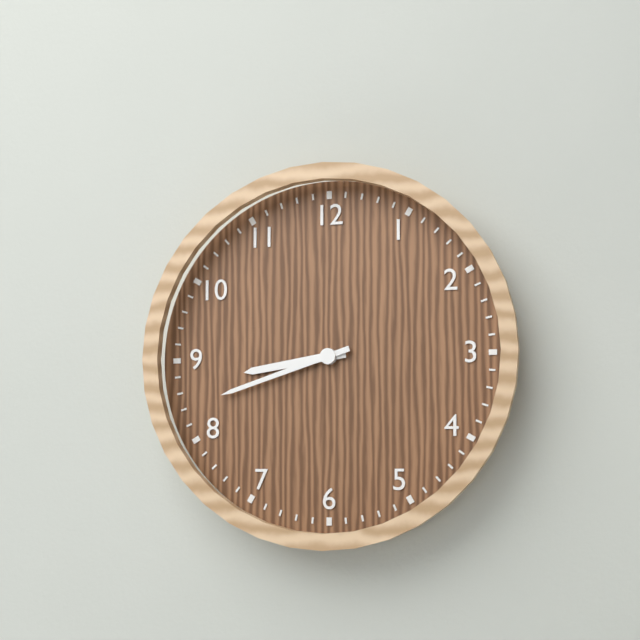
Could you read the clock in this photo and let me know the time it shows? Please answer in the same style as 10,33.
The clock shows 8,42
